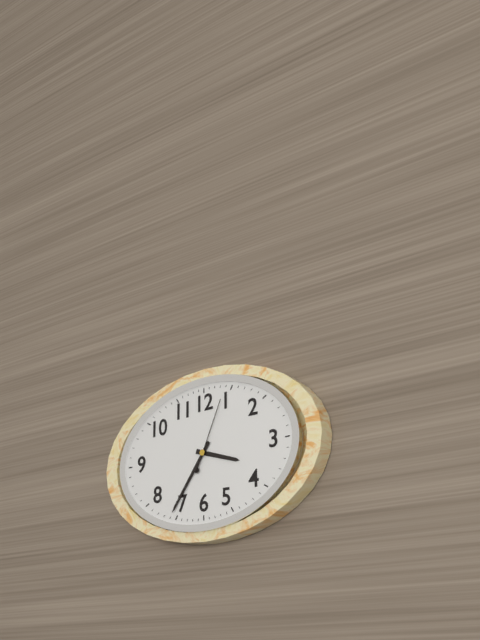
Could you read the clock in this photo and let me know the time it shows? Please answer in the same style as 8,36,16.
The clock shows 3,36,04
